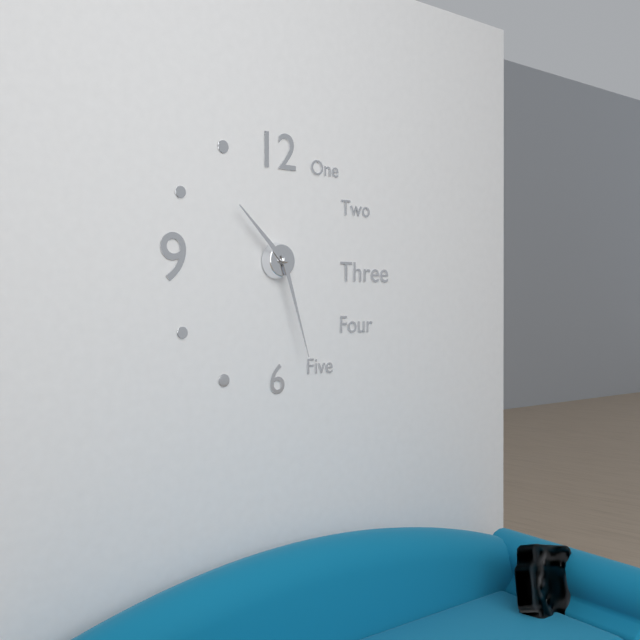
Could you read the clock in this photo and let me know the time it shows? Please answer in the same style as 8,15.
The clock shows 10,27
